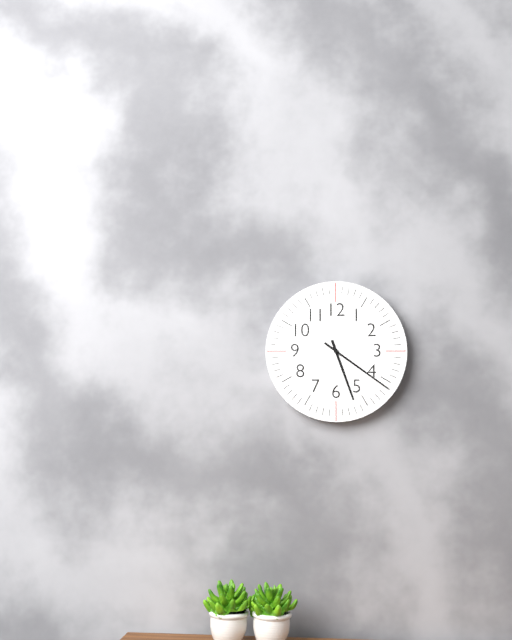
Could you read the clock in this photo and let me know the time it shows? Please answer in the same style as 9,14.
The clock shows 5,21
